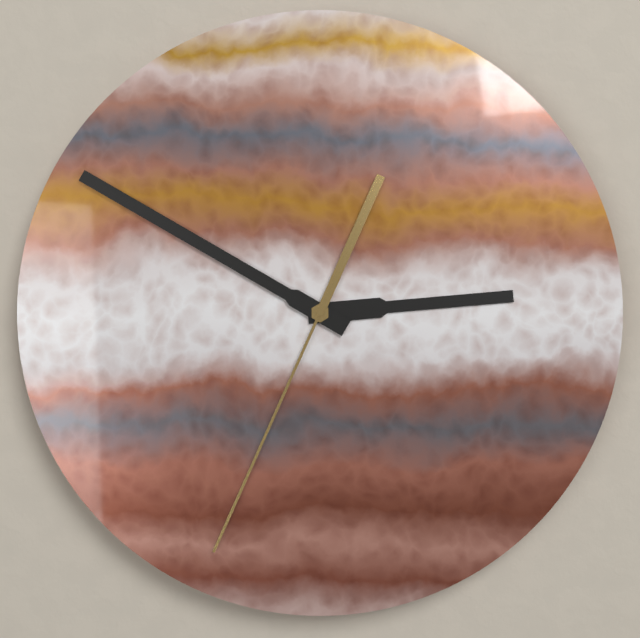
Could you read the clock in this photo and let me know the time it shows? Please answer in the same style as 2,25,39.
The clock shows 2,50,34
